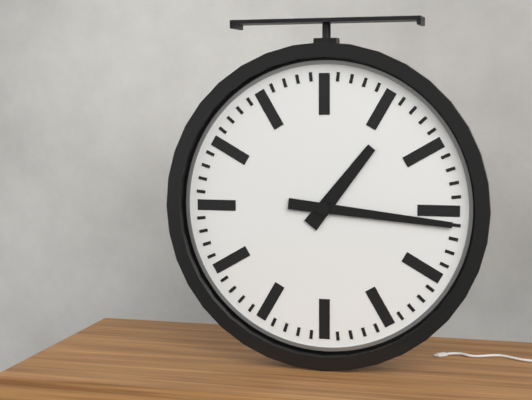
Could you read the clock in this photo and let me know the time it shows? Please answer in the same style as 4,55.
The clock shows 1,16
